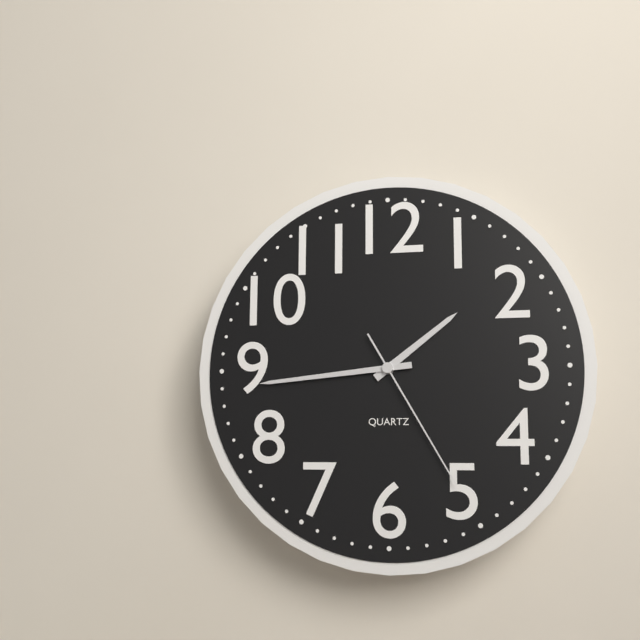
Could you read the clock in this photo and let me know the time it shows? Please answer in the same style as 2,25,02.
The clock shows 1,44,25
